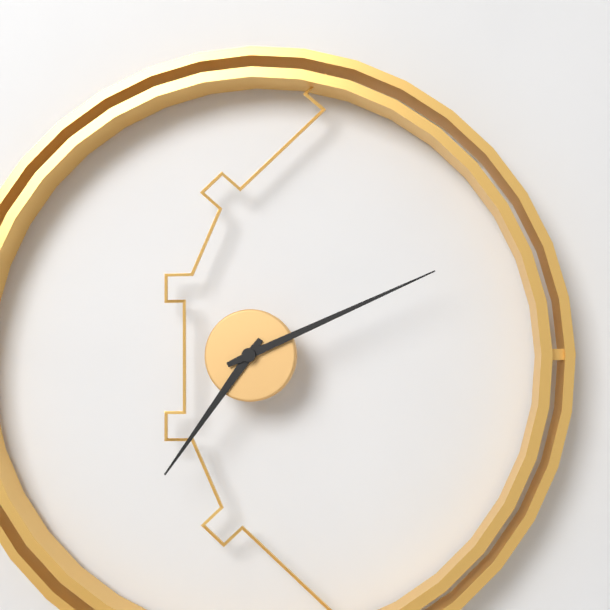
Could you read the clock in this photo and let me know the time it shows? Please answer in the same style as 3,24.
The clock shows 7,11
